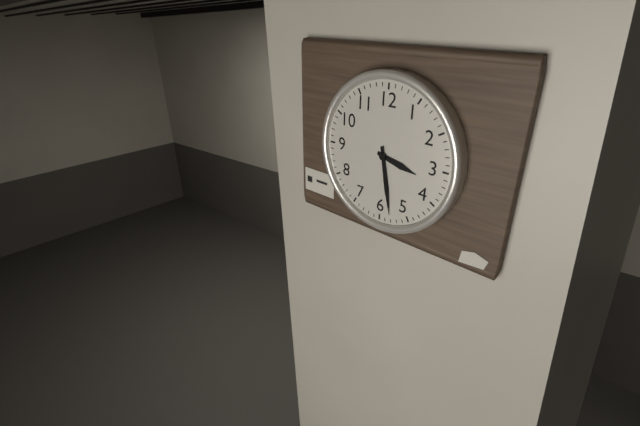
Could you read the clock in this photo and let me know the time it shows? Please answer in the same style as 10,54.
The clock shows 3,28
